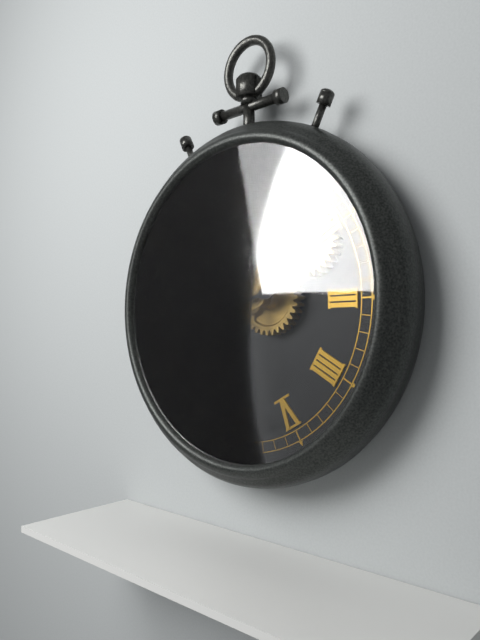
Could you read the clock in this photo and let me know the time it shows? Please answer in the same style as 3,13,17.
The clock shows 2,29,34
